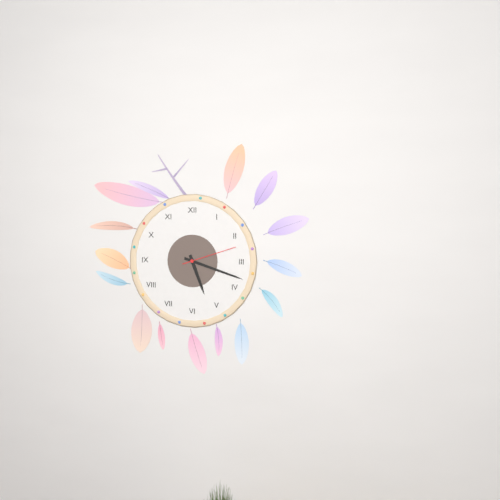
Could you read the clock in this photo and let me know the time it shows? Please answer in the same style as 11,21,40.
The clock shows 5,18,12
